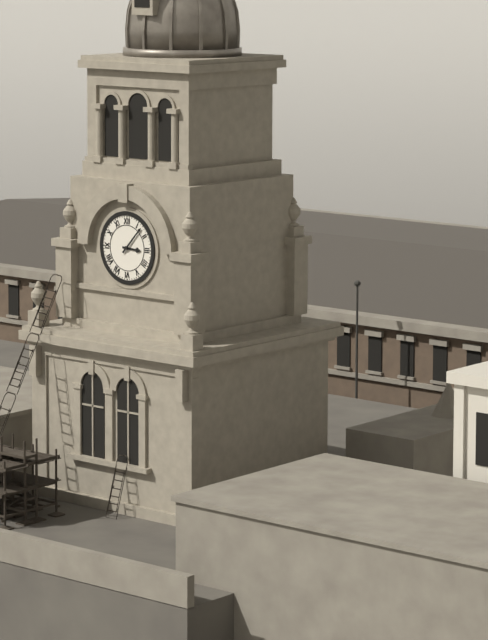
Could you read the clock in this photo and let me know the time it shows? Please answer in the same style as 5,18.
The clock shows 3,07
